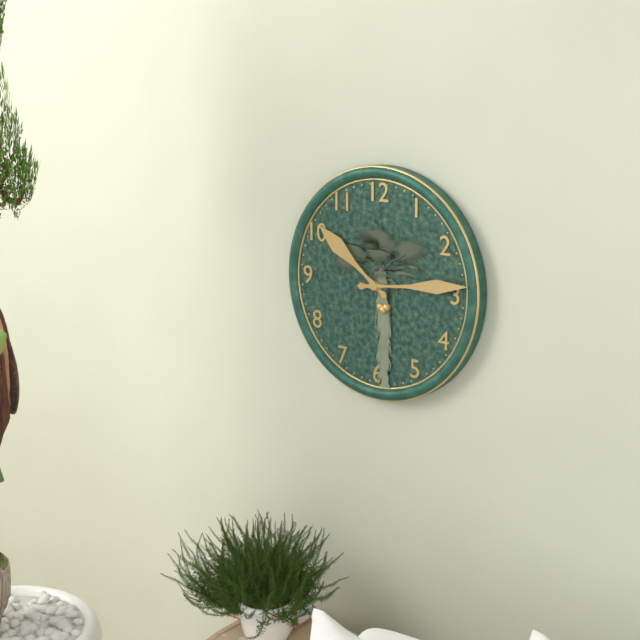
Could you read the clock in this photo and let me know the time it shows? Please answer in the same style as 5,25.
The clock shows 10,14
